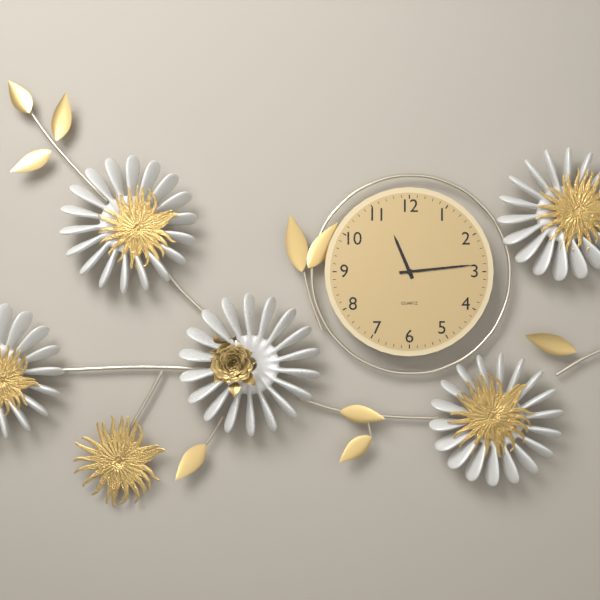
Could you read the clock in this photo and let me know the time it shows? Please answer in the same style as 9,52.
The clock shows 11,14
